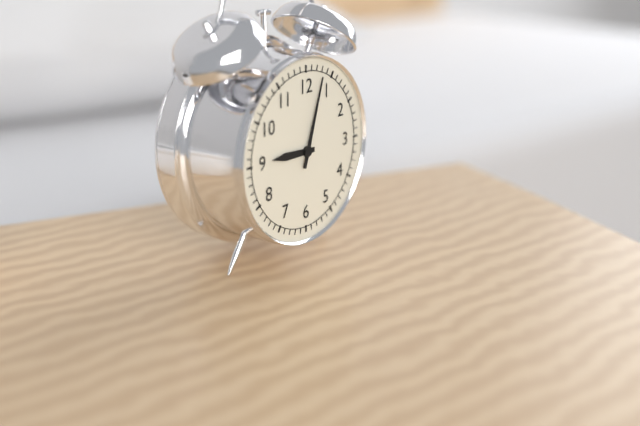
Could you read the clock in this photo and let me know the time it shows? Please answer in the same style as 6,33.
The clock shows 9,03
